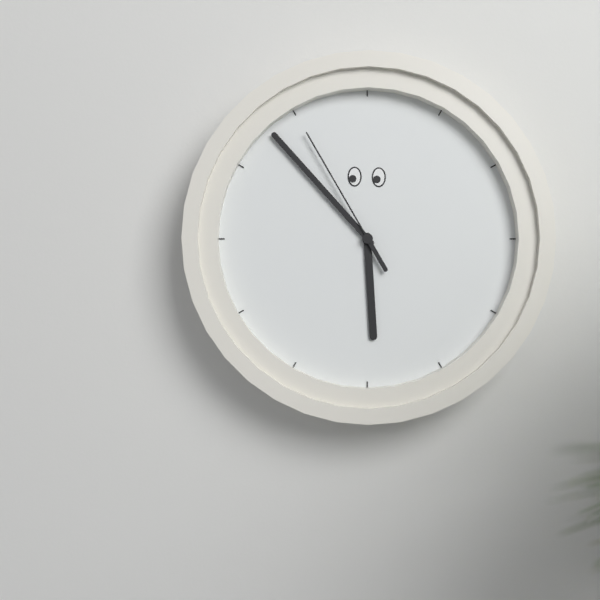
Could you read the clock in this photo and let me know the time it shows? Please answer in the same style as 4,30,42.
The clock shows 5,53,55
